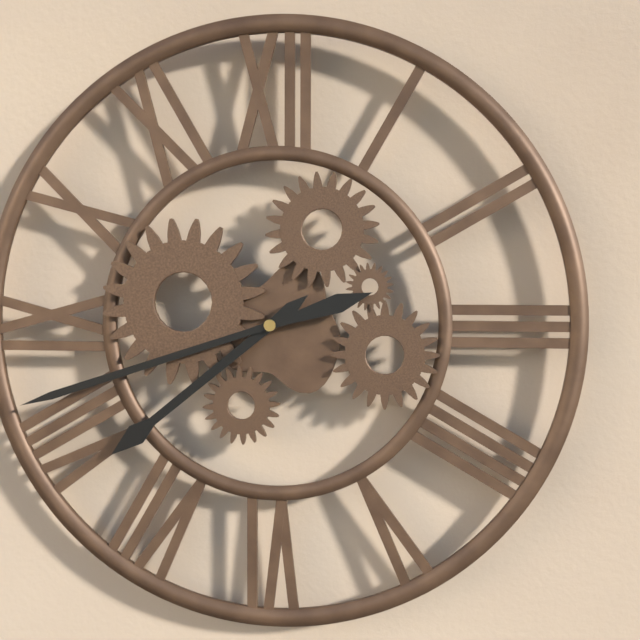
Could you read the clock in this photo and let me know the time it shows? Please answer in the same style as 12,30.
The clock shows 7,42
